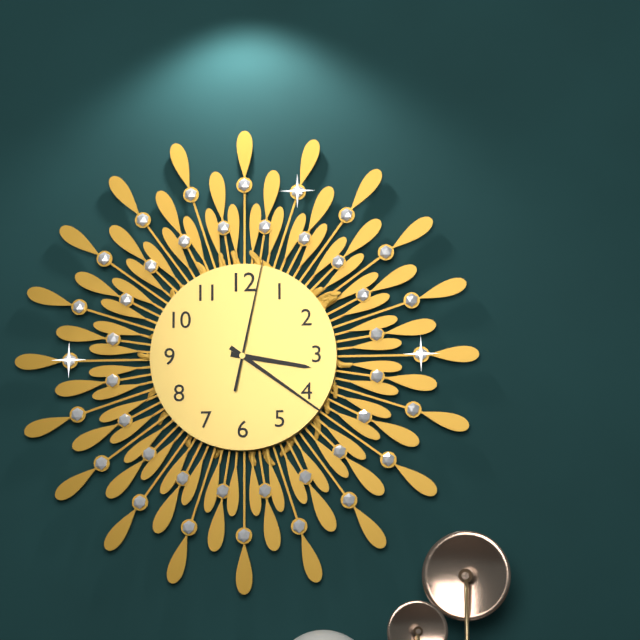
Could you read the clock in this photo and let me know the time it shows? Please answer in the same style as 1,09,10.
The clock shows 3,21,02
